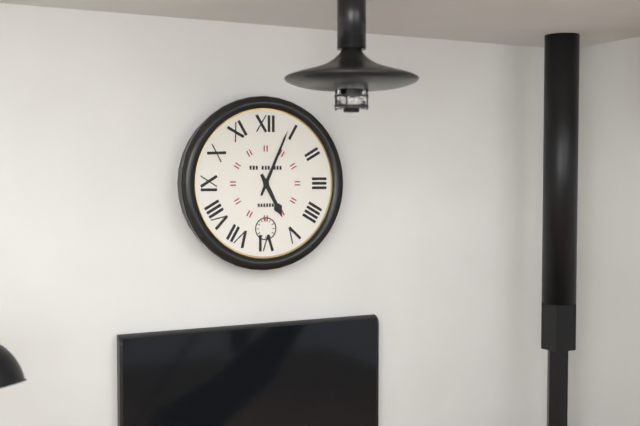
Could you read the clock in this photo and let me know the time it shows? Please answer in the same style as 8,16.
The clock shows 5,04
